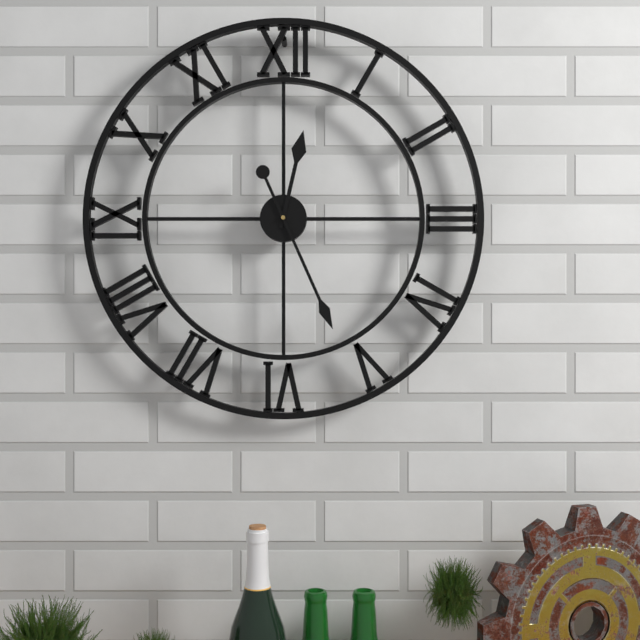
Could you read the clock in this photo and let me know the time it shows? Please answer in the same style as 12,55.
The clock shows 12,26
